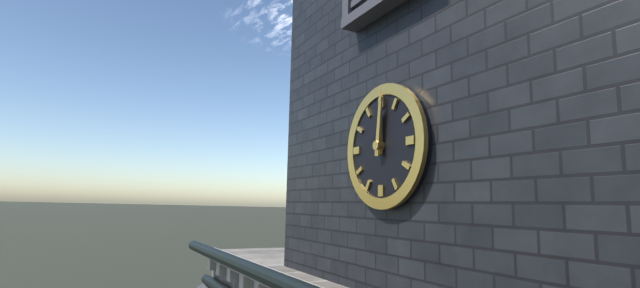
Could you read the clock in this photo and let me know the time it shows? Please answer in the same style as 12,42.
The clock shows 12,01
